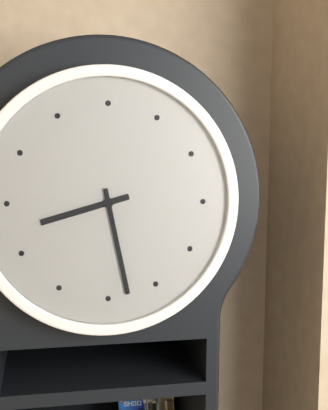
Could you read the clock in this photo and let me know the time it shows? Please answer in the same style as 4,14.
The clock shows 8,28
